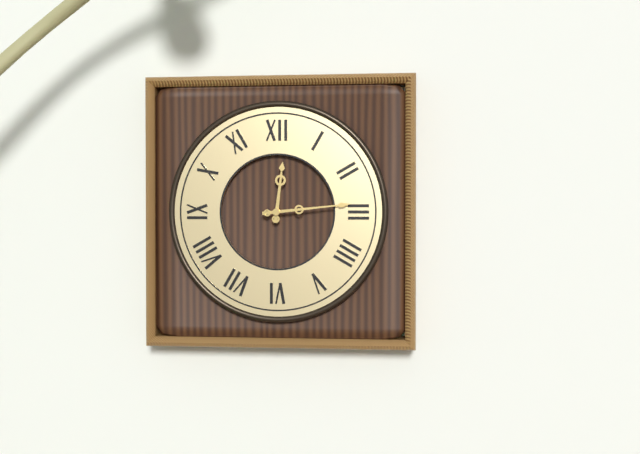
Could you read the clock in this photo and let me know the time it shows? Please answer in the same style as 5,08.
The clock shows 12,14
